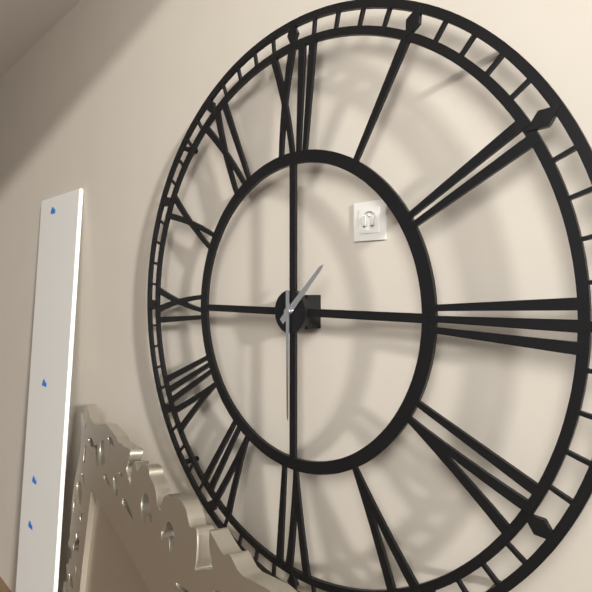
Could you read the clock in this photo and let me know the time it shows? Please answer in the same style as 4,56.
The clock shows 1,30
